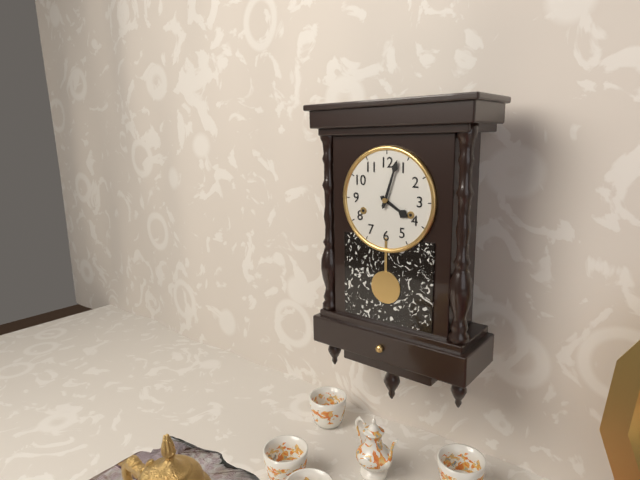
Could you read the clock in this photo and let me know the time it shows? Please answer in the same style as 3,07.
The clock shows 4,03
